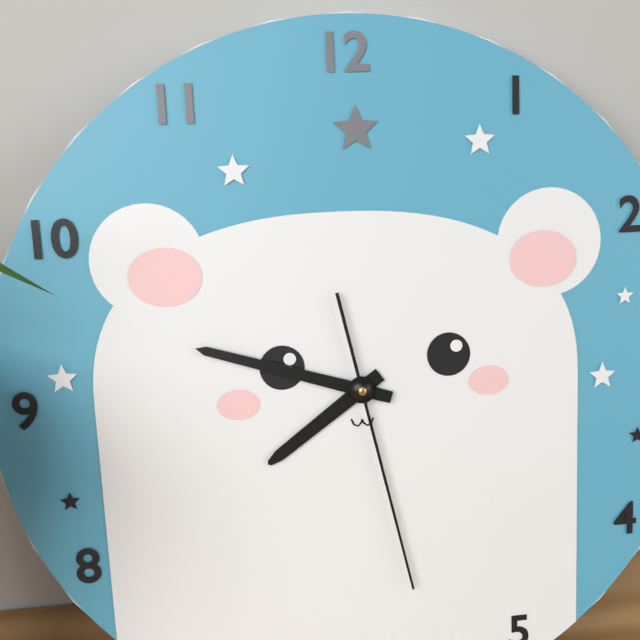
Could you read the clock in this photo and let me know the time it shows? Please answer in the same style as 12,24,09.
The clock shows 7,48,28
